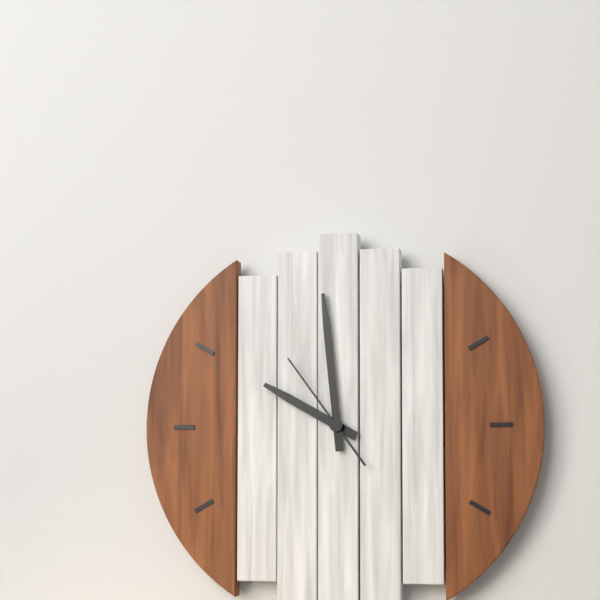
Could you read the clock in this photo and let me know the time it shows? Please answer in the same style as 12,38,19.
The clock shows 9,59,54
